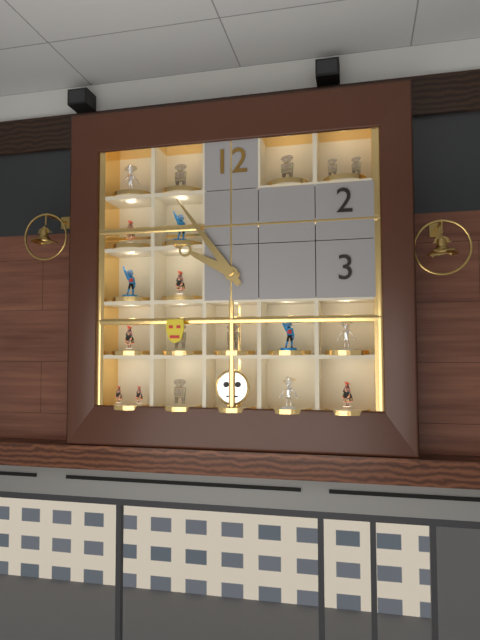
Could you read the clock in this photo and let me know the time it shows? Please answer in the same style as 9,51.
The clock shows 9,54
